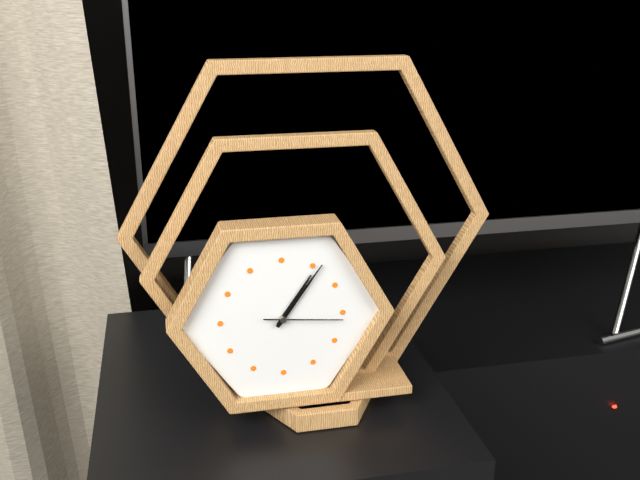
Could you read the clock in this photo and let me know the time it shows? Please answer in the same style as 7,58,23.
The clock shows 1,06,16
